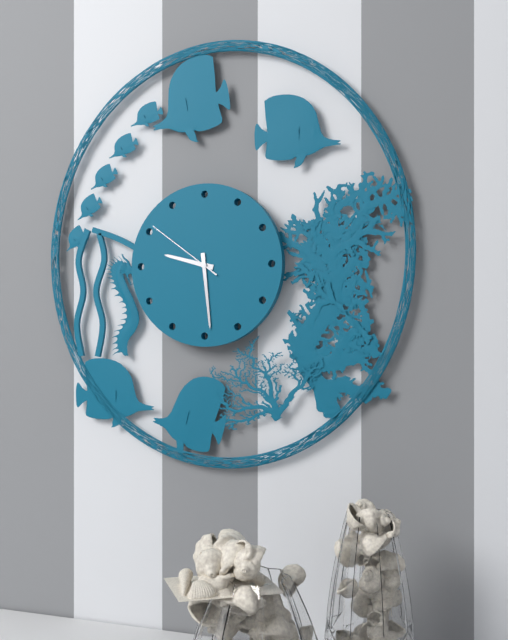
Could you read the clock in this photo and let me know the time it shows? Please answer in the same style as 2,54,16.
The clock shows 9,29,51
